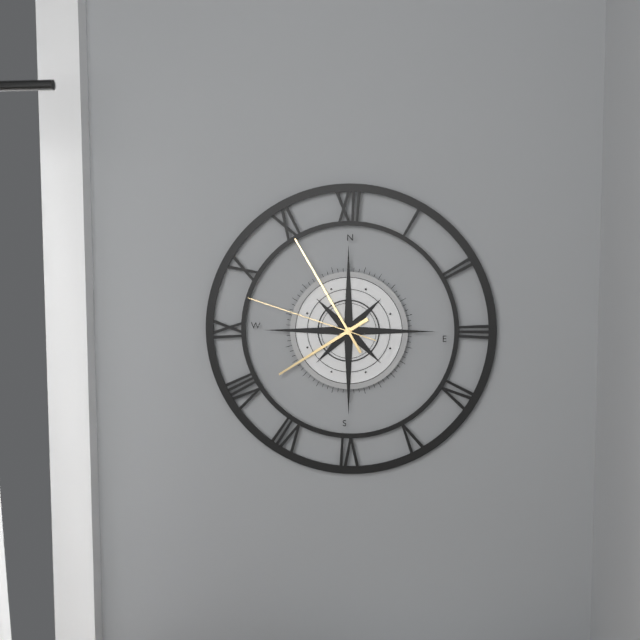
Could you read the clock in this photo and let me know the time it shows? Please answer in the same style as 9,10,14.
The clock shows 7,55,48
